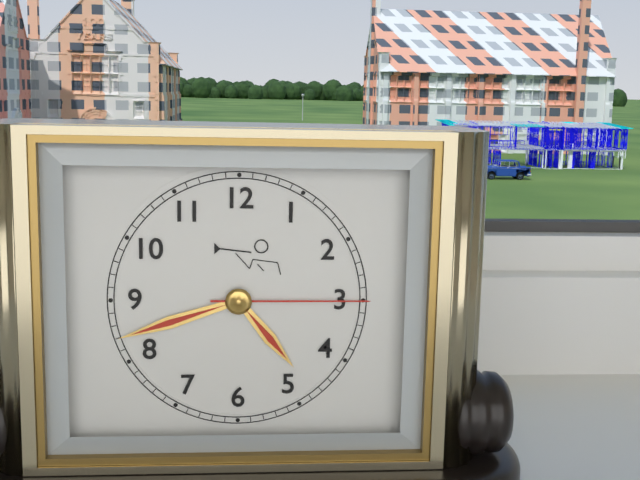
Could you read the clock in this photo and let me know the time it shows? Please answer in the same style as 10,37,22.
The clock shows 4,42,15
